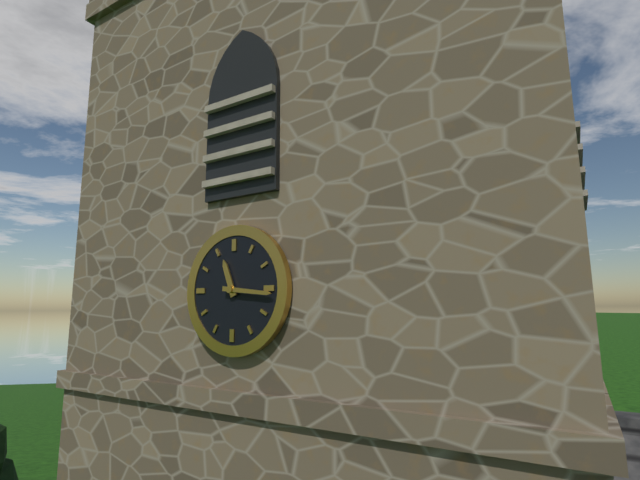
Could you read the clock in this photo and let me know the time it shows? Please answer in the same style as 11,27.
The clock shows 11,16
